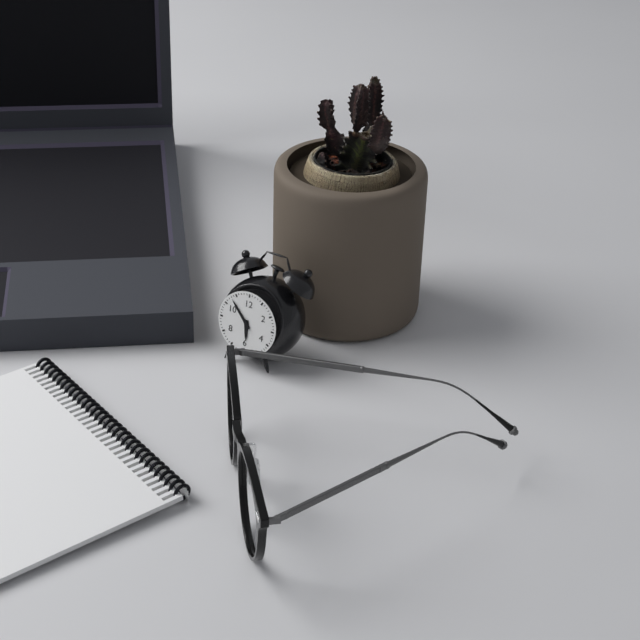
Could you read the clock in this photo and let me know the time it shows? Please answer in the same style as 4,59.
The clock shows 5,53
